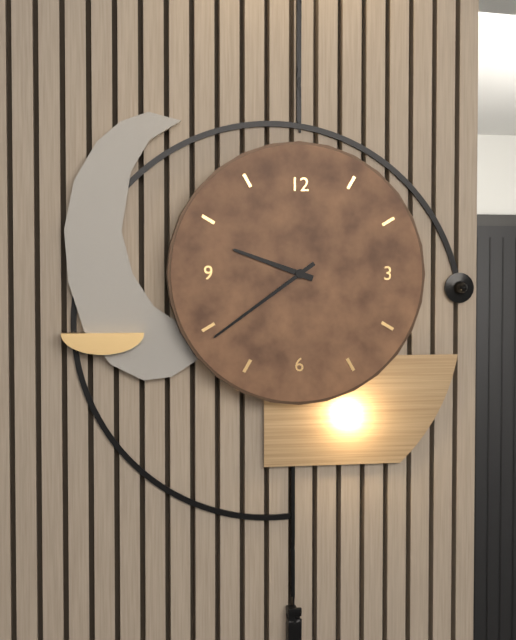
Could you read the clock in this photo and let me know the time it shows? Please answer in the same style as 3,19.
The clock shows 9,39
